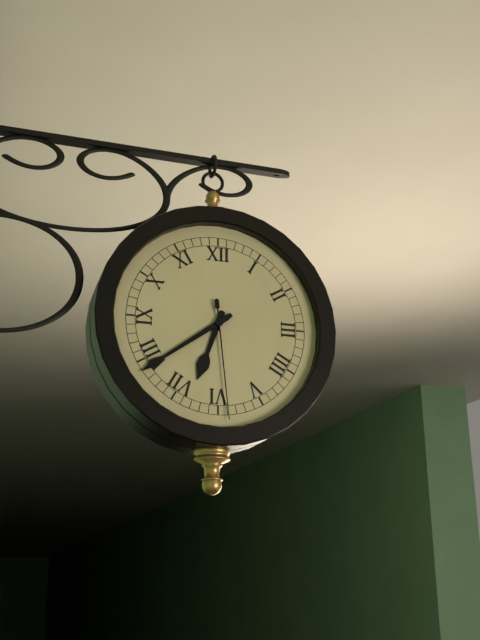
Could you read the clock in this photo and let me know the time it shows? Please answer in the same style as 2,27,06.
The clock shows 6,39,29
